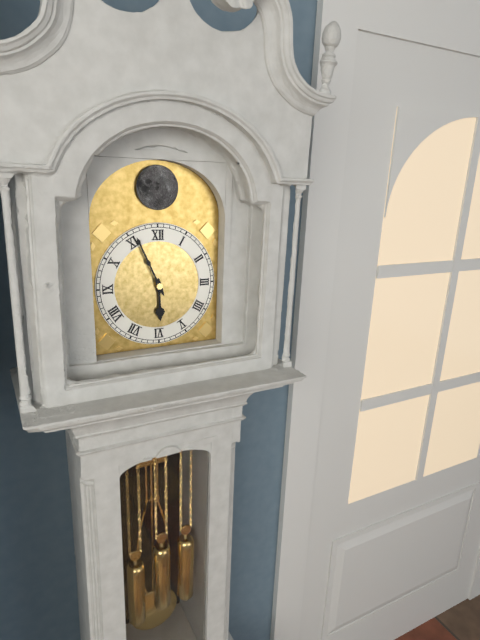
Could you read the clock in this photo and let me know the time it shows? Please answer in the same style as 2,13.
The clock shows 5,56
